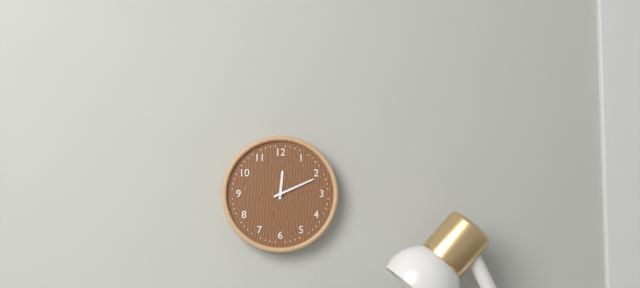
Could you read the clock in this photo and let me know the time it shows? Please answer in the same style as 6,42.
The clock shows 12,11
